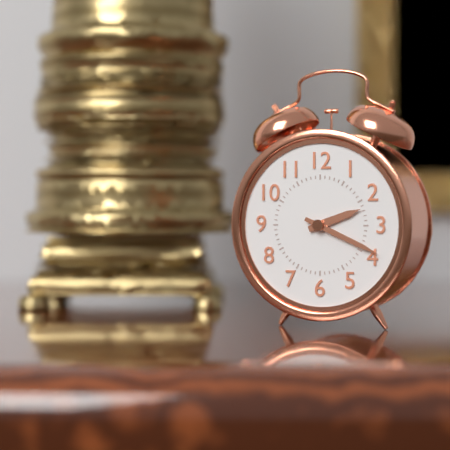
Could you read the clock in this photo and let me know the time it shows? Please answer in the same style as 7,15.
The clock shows 2,19
